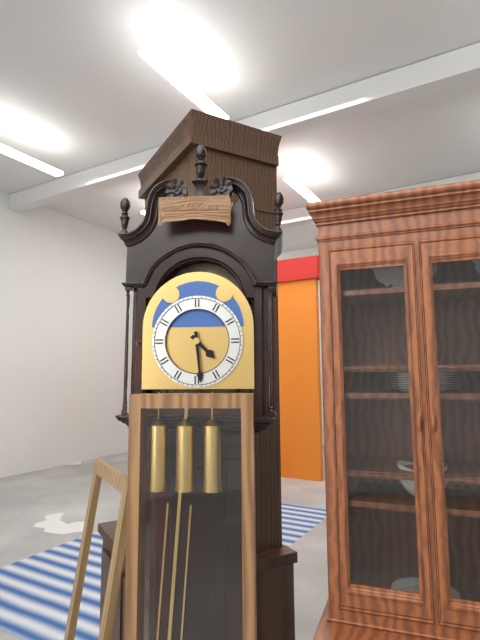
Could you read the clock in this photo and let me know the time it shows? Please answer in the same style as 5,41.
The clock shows 4,29
